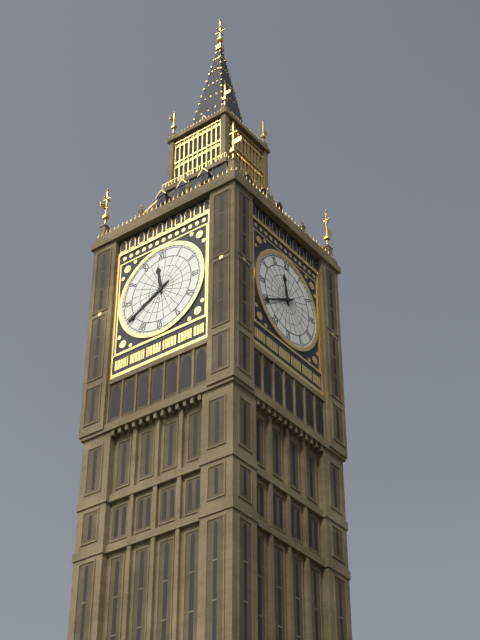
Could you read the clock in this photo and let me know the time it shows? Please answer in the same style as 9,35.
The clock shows 11,40
